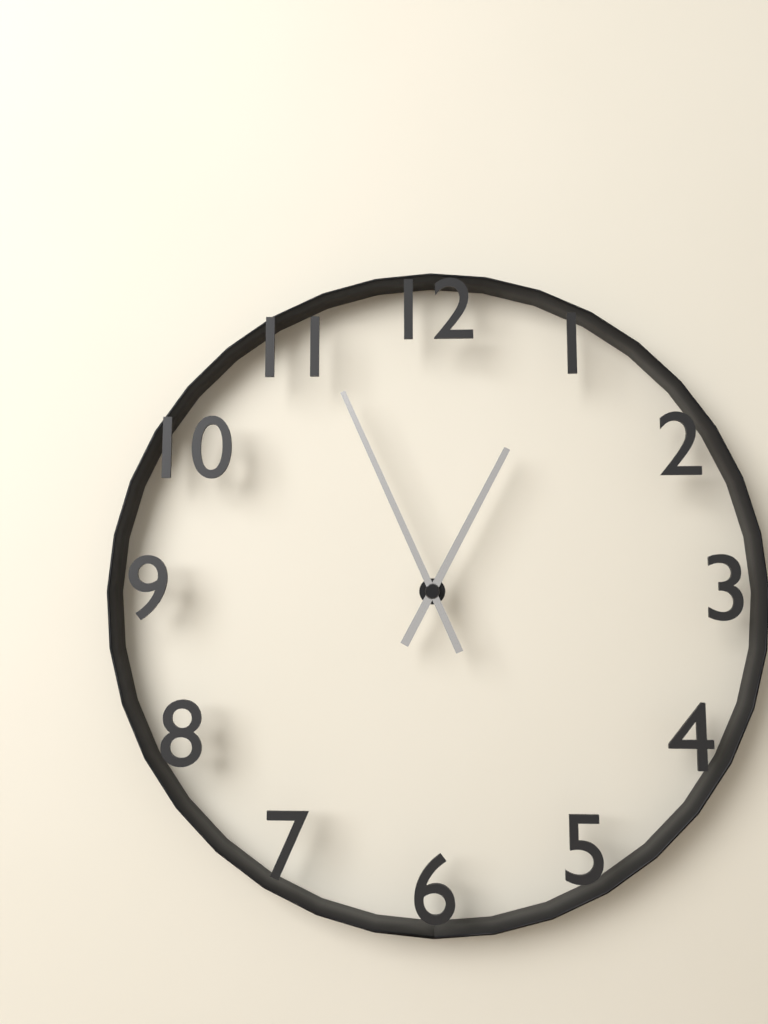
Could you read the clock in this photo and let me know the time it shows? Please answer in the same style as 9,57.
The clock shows 12,56
